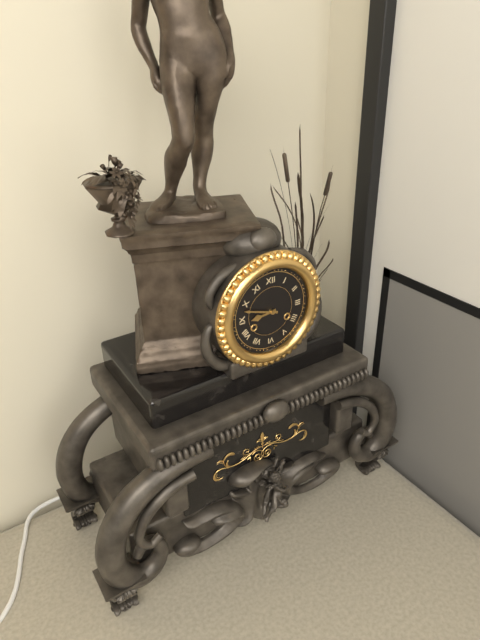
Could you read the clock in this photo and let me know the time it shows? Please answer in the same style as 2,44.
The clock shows 8,48
